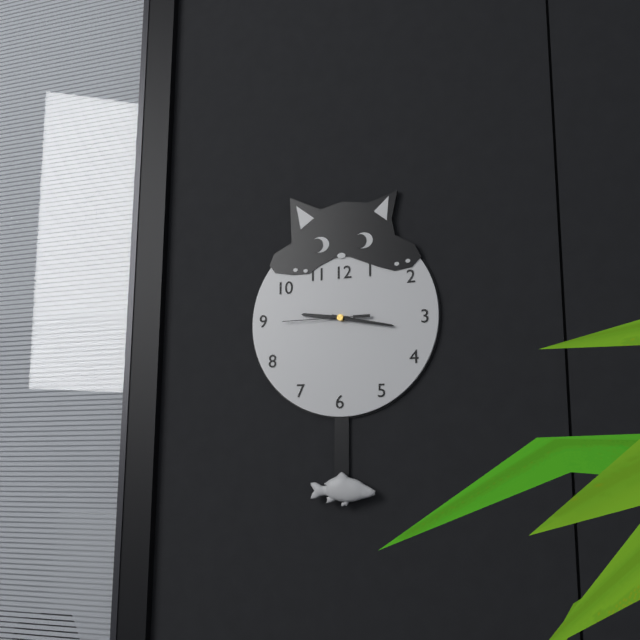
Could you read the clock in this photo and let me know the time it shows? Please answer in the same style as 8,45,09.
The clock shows 9,17,45
